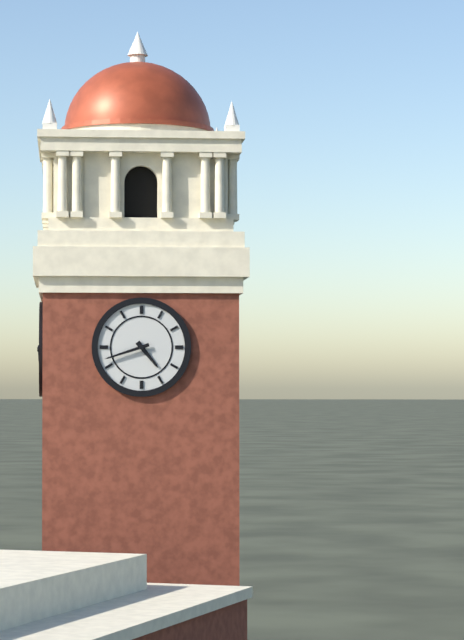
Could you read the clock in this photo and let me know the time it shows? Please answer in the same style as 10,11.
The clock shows 4,42
